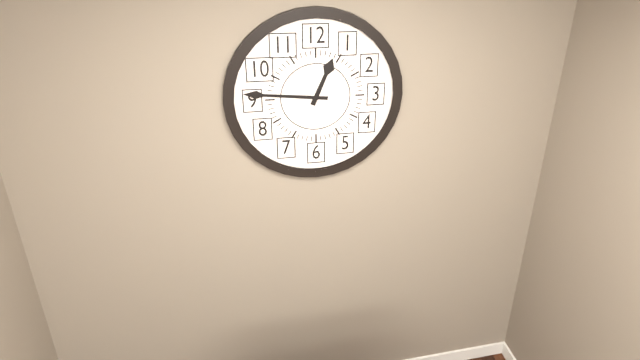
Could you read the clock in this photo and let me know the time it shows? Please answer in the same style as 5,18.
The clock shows 12,46
